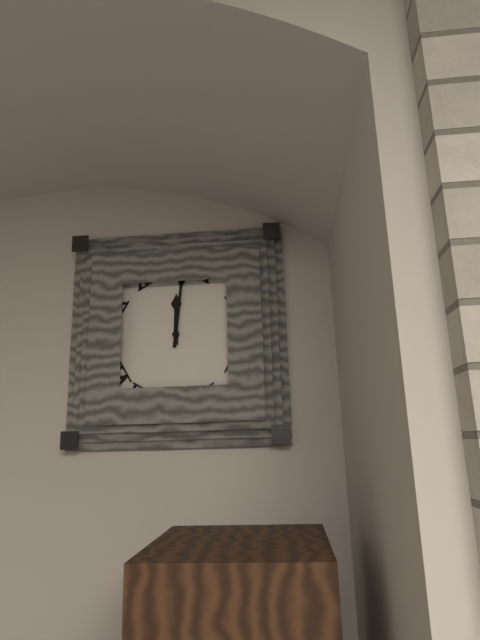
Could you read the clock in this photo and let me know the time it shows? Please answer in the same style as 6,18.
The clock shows 12,01
